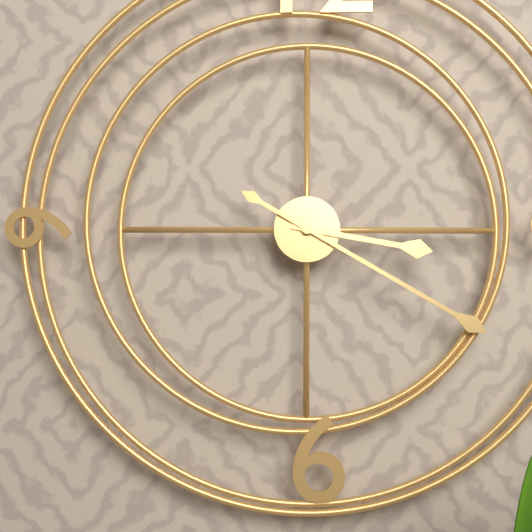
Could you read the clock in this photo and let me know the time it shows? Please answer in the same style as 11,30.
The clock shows 3,20
